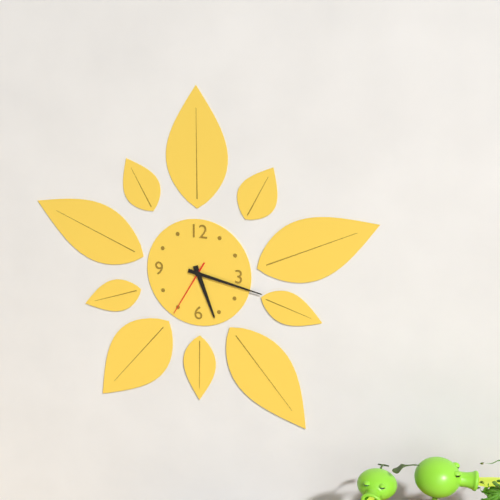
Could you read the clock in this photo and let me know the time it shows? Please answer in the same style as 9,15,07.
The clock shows 5,17,35
